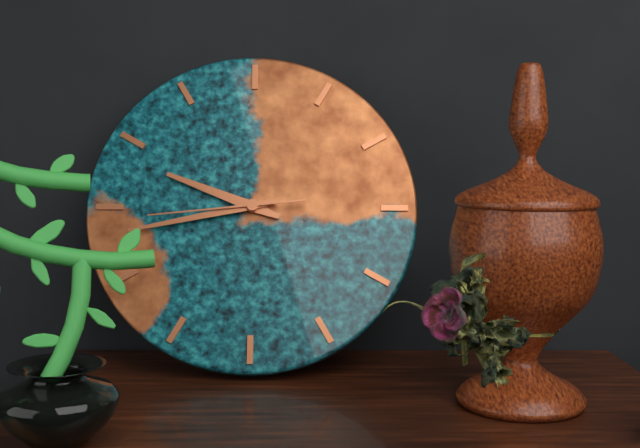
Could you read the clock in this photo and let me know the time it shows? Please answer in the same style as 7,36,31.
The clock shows 9,43,44
